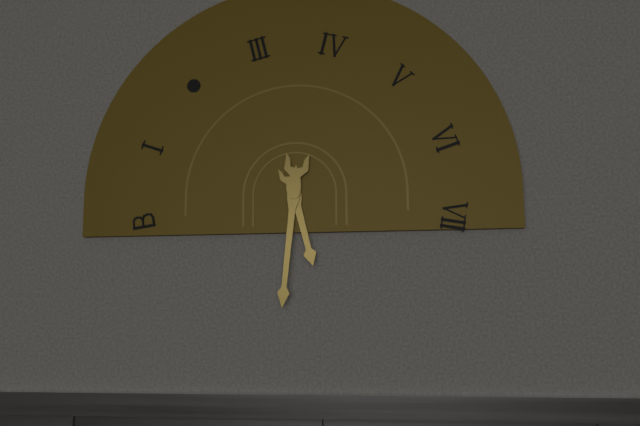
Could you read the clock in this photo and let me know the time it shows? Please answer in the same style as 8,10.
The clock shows 5,31
